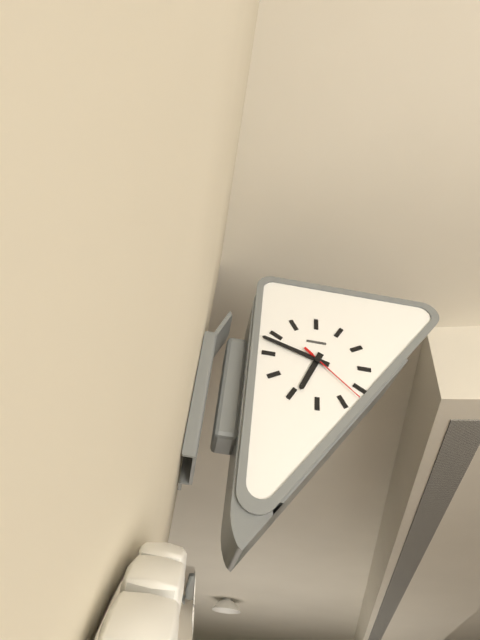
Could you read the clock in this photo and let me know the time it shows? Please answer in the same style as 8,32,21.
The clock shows 6,48,22
